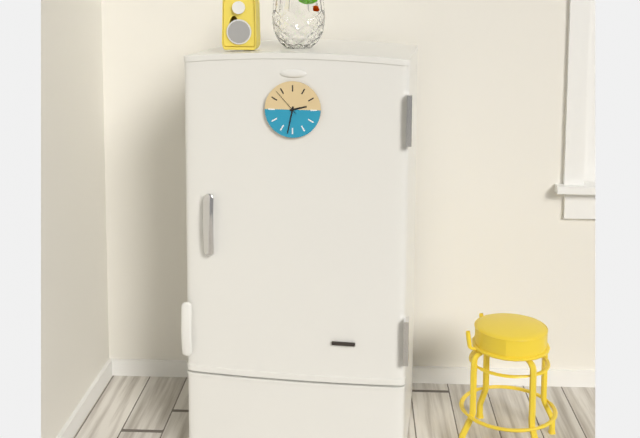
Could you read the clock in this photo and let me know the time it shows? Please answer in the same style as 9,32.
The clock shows 2,32
